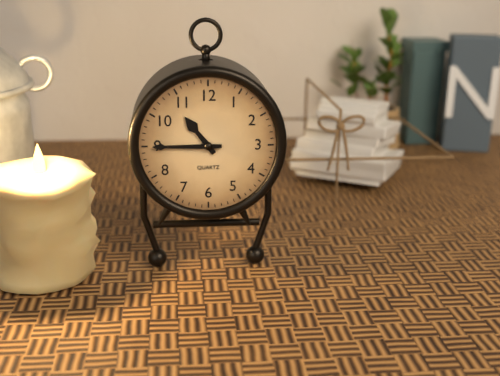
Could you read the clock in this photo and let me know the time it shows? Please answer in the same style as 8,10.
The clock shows 10,45
